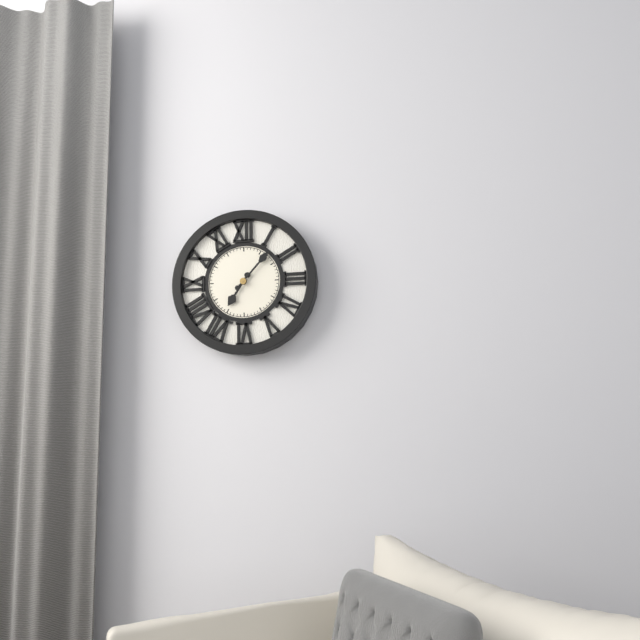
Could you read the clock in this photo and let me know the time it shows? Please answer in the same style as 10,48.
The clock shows 7,07
